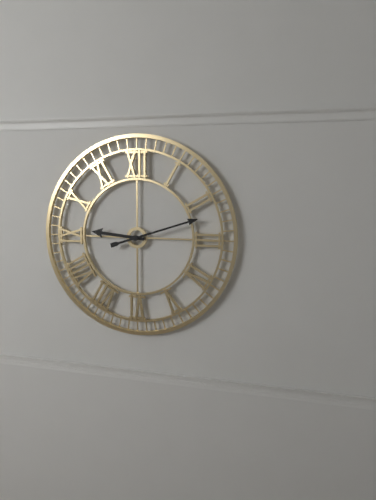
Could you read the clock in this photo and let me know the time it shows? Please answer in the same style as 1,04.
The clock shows 9,12
